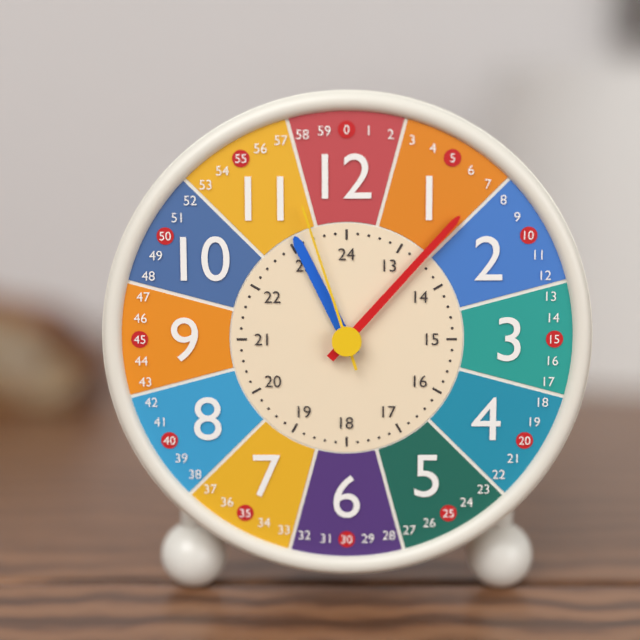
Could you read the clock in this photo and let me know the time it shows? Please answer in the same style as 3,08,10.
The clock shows 11,07,57
